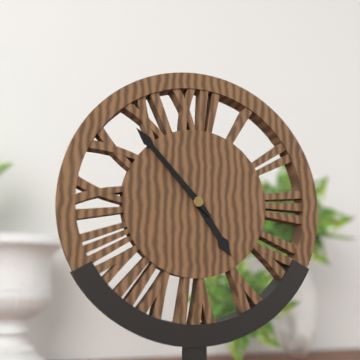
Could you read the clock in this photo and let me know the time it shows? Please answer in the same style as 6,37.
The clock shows 4,53
